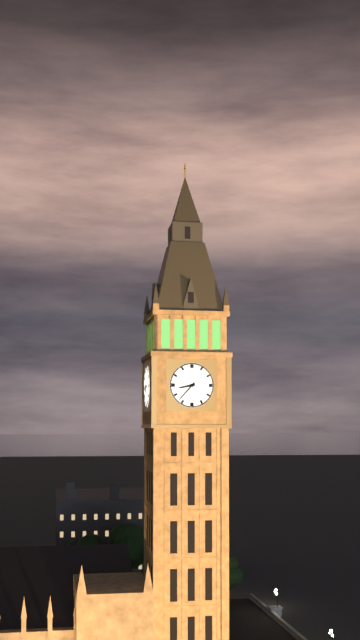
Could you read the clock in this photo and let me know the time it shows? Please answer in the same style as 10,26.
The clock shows 8,37
